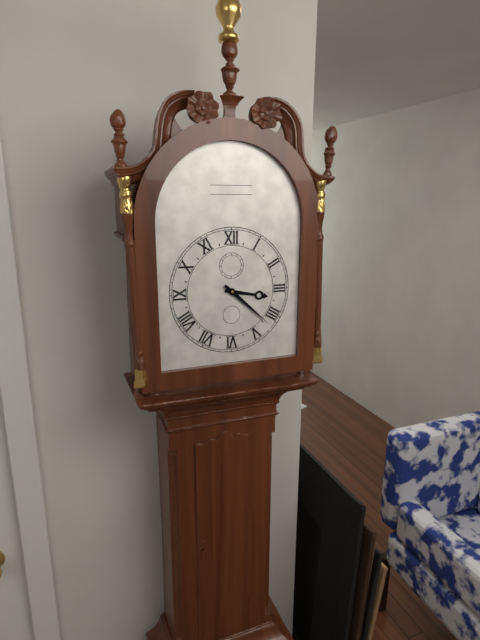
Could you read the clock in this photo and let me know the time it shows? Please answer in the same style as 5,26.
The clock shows 3,22
